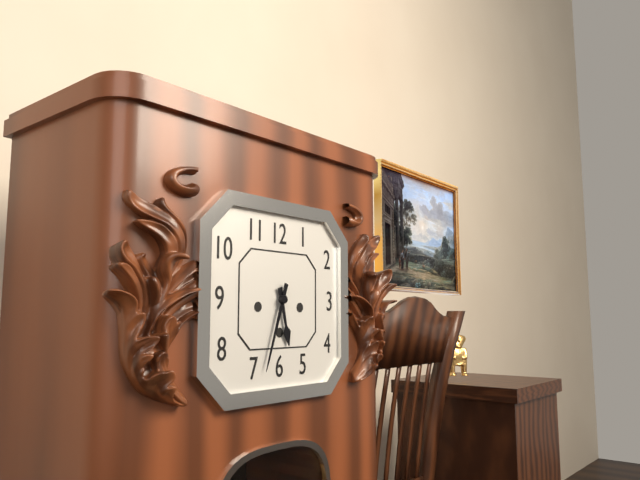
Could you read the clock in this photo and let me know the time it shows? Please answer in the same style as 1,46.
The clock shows 5,33
